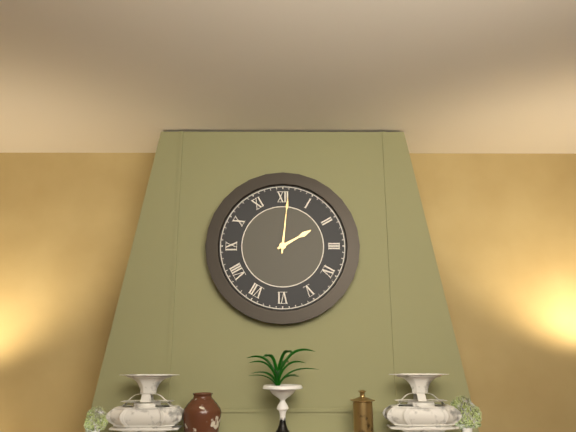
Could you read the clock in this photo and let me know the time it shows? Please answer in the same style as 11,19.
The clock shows 2,01
